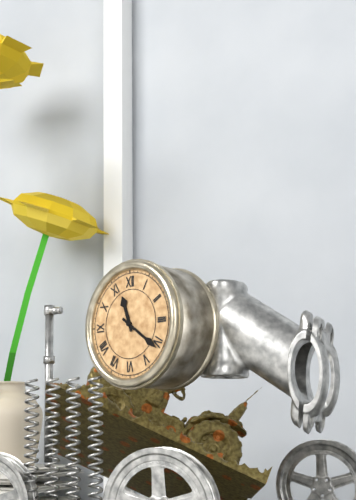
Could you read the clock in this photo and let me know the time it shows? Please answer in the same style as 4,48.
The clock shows 11,21
